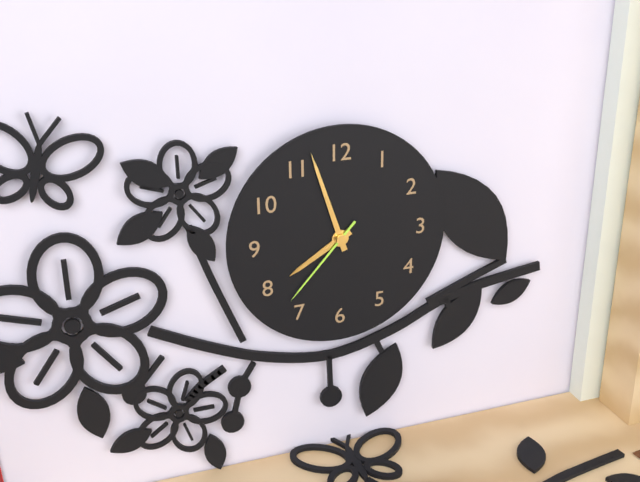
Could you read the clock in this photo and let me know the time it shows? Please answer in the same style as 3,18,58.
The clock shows 7,57,37
